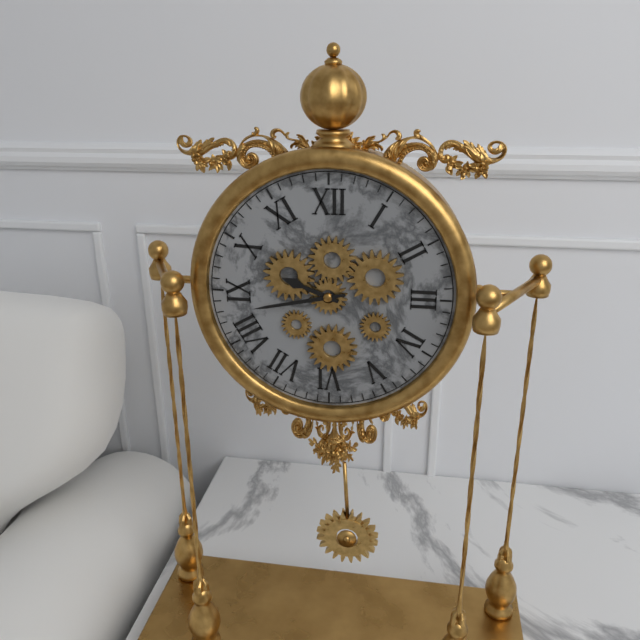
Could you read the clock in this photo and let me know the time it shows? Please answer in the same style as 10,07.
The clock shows 9,43
